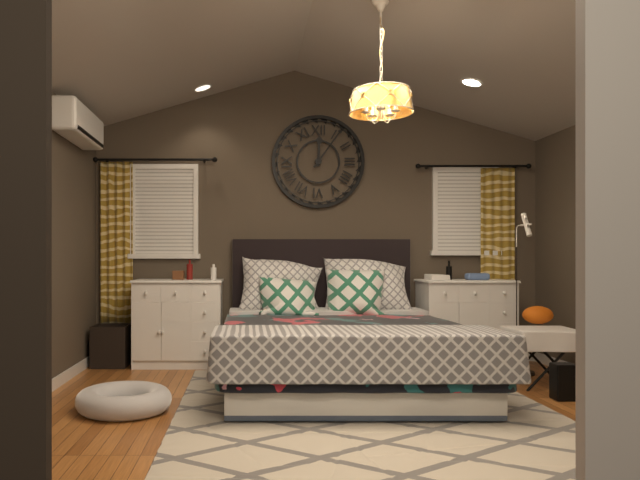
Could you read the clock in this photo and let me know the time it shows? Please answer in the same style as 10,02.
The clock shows 12,06
